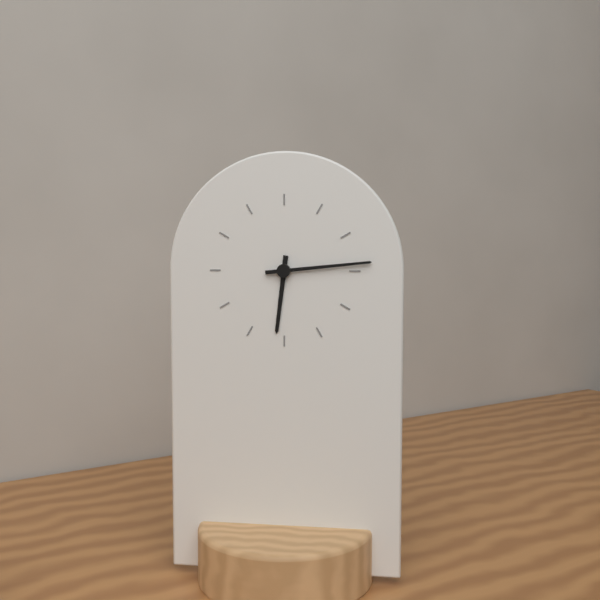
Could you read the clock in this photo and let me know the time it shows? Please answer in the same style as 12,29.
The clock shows 6,14
